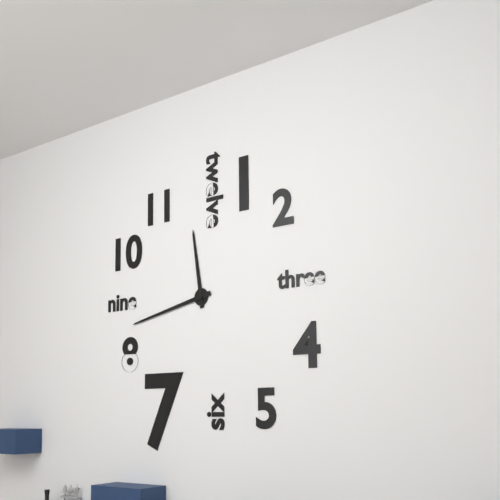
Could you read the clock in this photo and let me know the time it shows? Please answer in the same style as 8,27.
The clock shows 11,43
